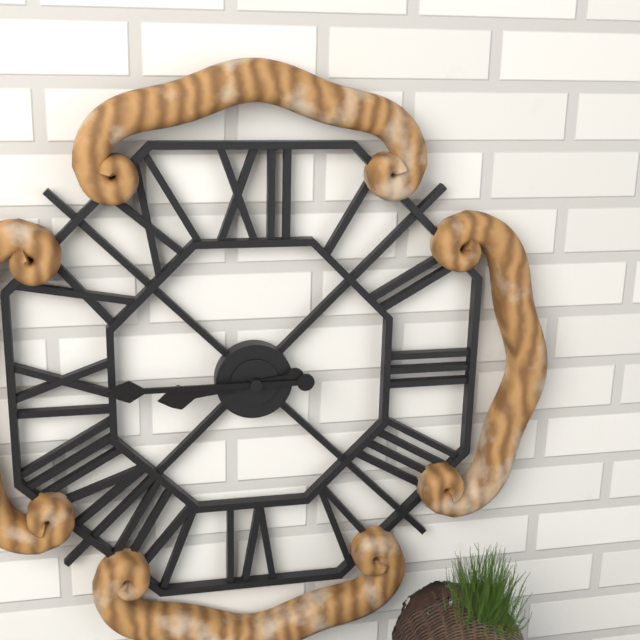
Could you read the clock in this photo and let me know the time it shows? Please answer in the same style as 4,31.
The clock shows 8,45
